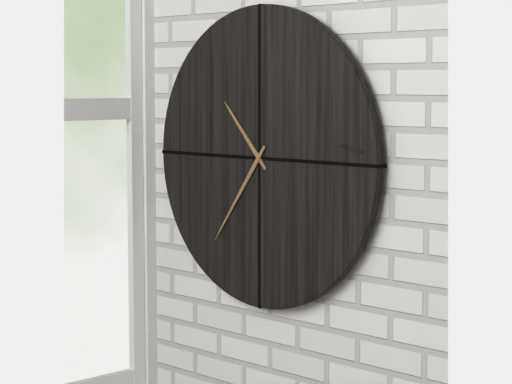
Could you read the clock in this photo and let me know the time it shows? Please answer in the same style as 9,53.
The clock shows 10,36
